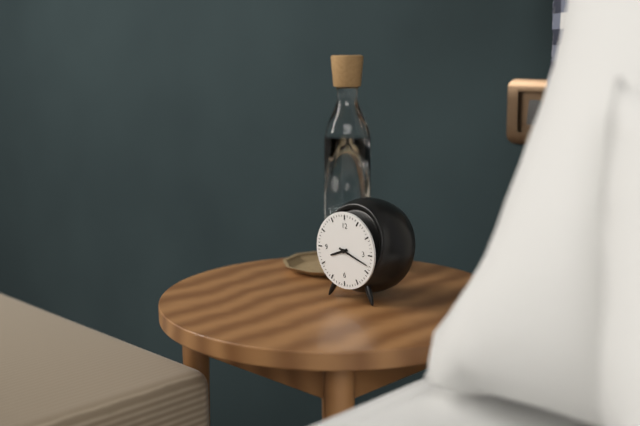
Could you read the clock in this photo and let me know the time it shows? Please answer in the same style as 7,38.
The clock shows 8,18
